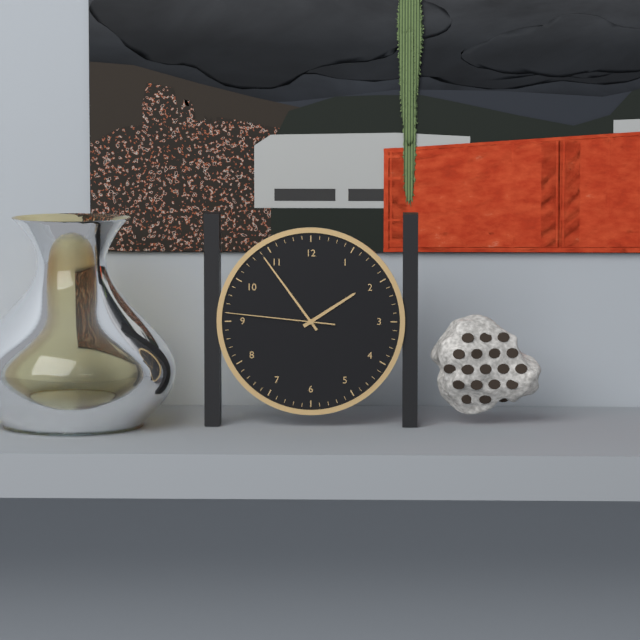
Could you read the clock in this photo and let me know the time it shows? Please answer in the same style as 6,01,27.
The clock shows 1,54,46
